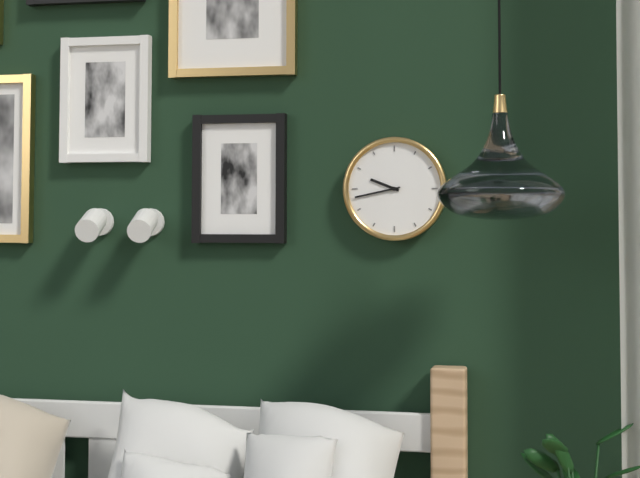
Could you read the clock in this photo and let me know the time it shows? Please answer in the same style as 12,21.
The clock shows 9,43
